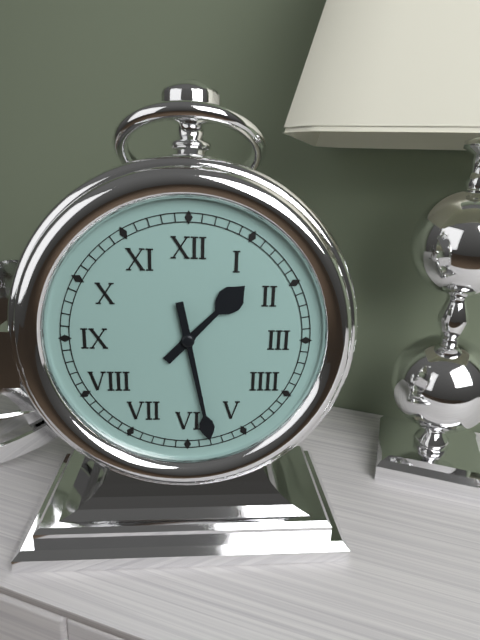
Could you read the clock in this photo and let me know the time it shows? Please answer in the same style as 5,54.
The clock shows 1,28
